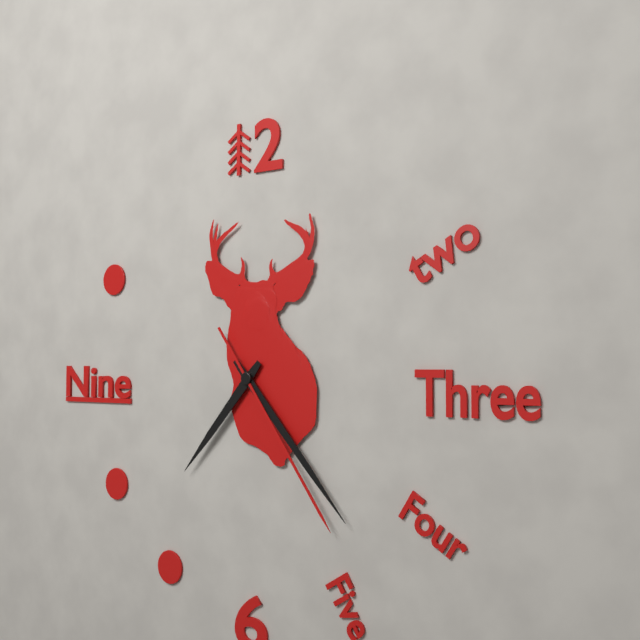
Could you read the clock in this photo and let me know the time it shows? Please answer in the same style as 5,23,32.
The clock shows 7,23,24
